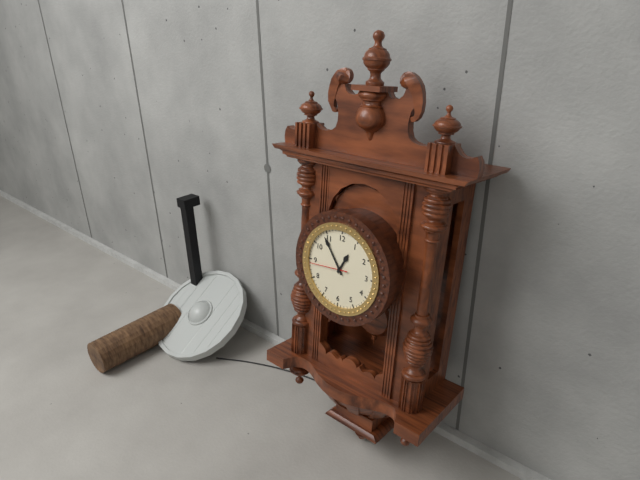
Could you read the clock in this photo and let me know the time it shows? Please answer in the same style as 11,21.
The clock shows 12,54
